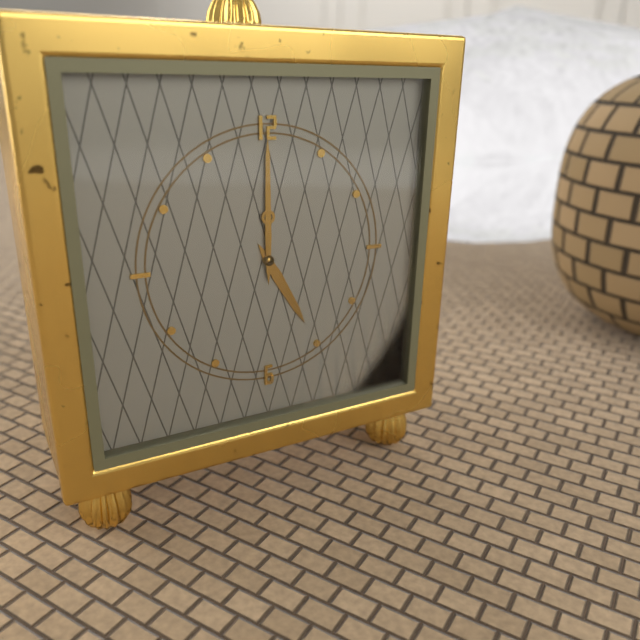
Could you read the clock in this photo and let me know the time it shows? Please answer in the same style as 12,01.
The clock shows 5,00
